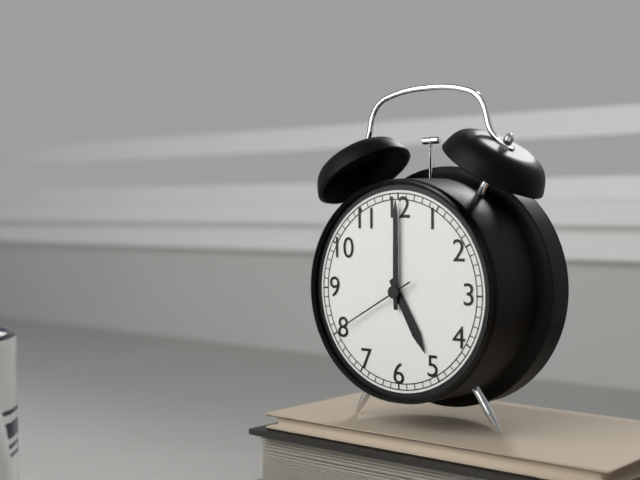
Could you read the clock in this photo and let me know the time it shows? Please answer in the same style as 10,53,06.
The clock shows 5,00,40
